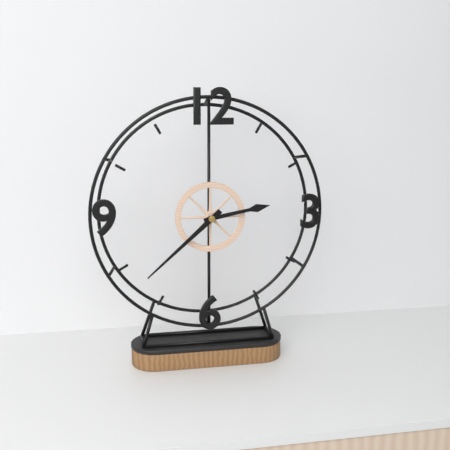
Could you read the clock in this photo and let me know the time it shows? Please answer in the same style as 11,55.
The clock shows 2,38
